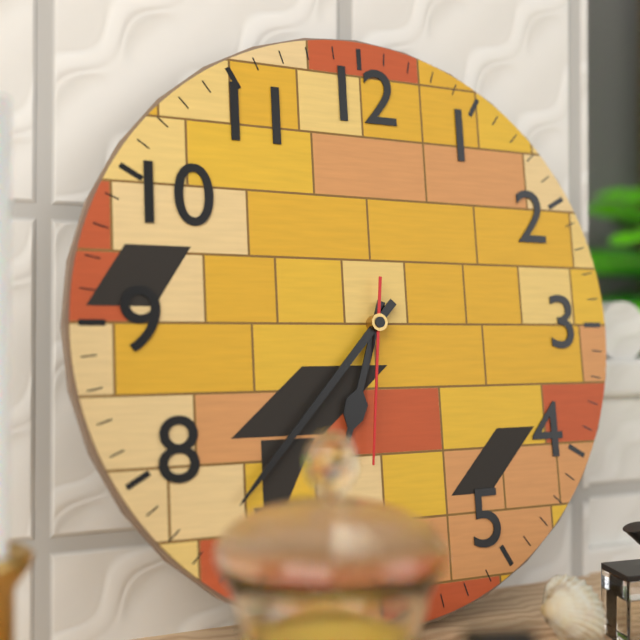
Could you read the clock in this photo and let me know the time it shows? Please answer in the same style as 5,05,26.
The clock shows 6,37,31
